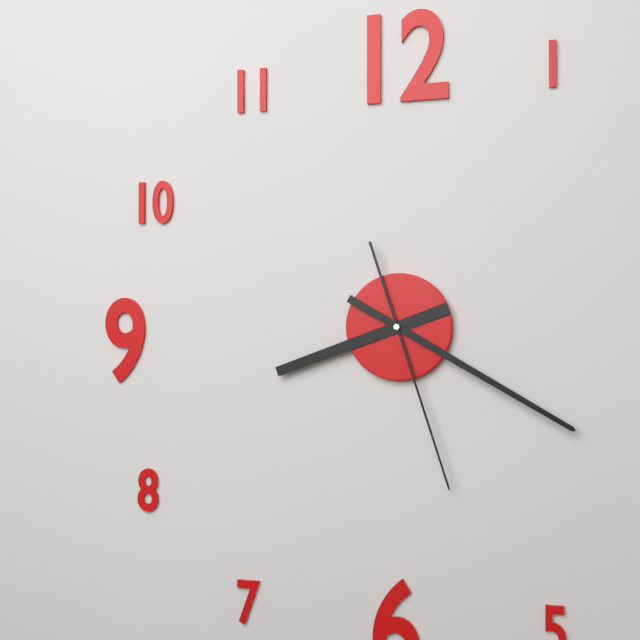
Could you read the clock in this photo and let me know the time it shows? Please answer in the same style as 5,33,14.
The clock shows 8,20,27
